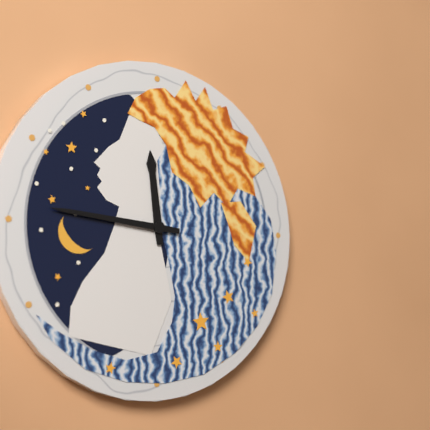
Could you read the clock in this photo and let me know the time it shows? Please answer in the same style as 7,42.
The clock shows 11,46
